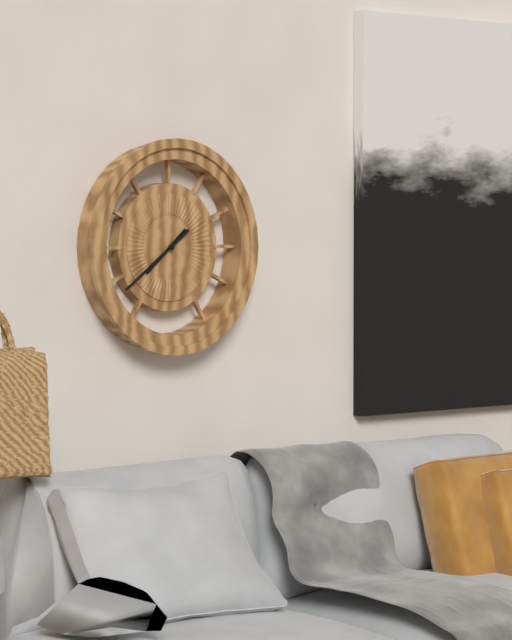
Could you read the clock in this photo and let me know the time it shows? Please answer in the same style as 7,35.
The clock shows 7,39
